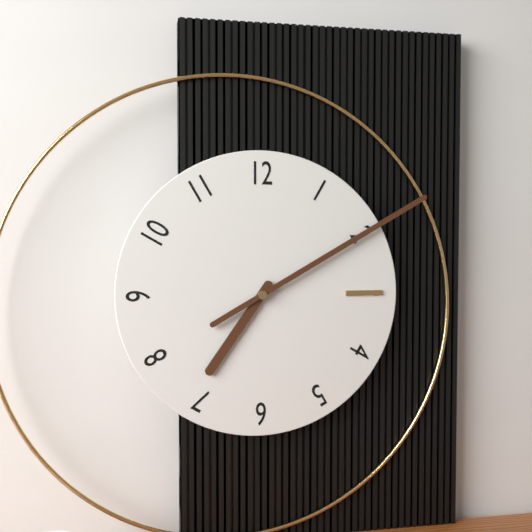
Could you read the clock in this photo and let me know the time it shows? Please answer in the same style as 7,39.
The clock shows 7,10
